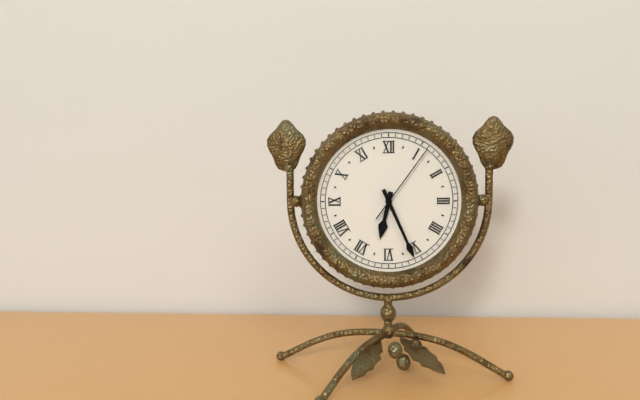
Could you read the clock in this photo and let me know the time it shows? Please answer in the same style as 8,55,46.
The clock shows 6,26,06
